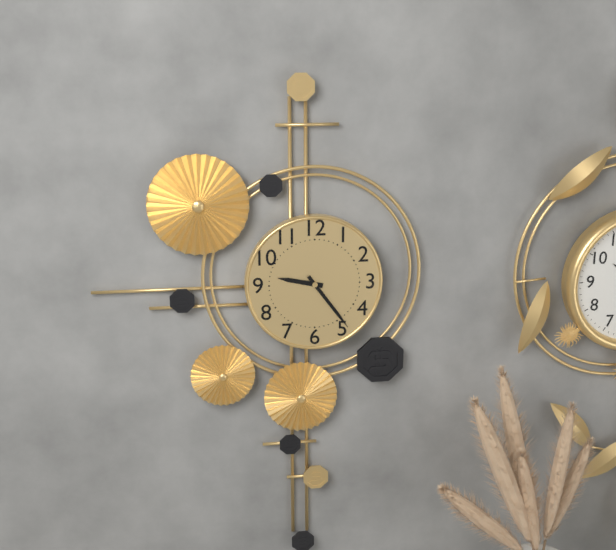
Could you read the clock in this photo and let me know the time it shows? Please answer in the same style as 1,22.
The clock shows 9,24
